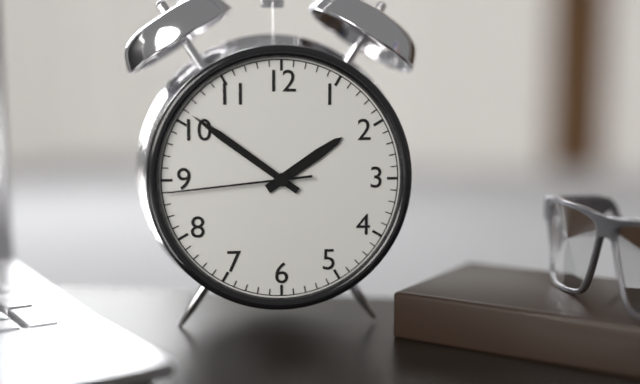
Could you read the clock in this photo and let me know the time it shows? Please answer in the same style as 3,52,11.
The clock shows 1,51,44
